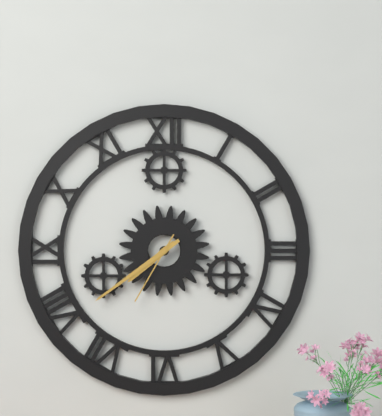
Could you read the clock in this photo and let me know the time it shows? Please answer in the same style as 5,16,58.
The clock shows 7,39,35
